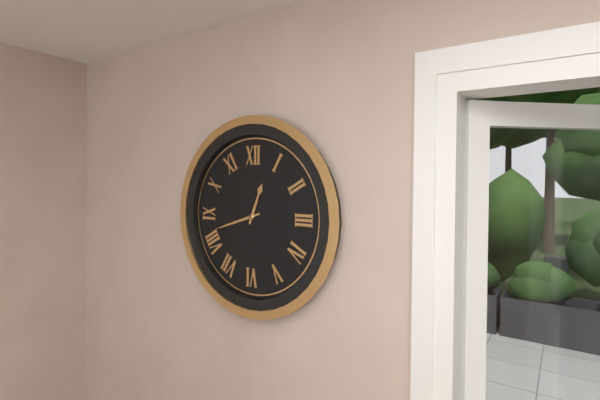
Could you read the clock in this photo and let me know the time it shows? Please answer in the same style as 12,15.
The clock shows 12,42
